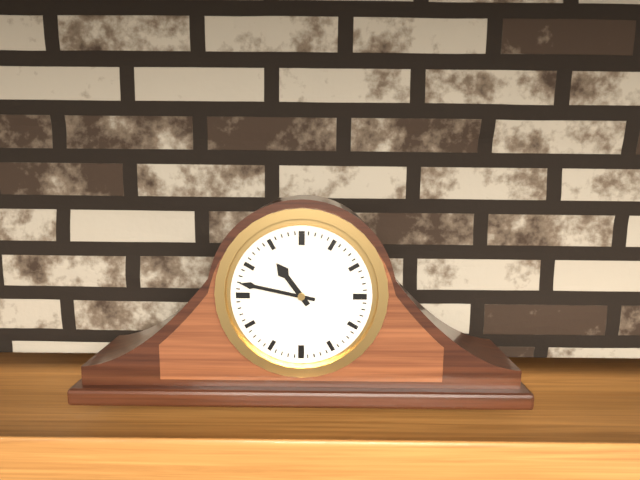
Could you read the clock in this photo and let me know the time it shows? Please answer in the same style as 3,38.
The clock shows 10,47
